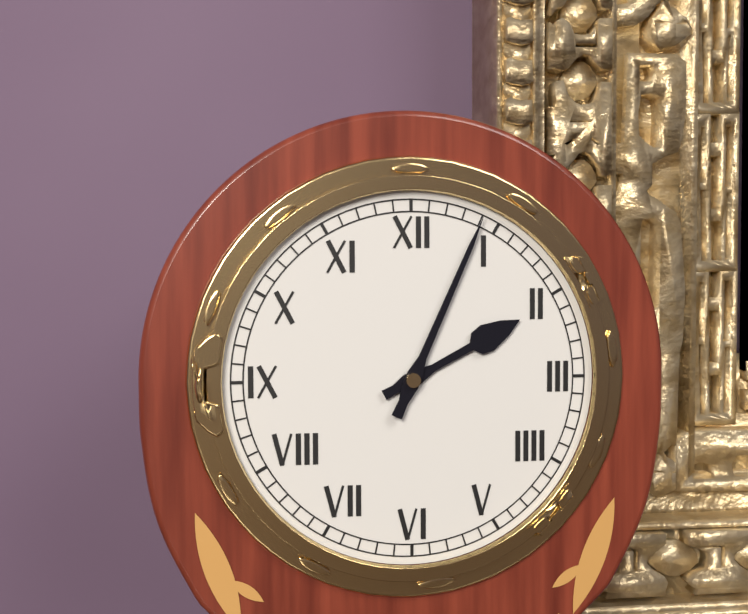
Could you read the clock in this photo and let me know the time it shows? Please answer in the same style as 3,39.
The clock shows 2,04
